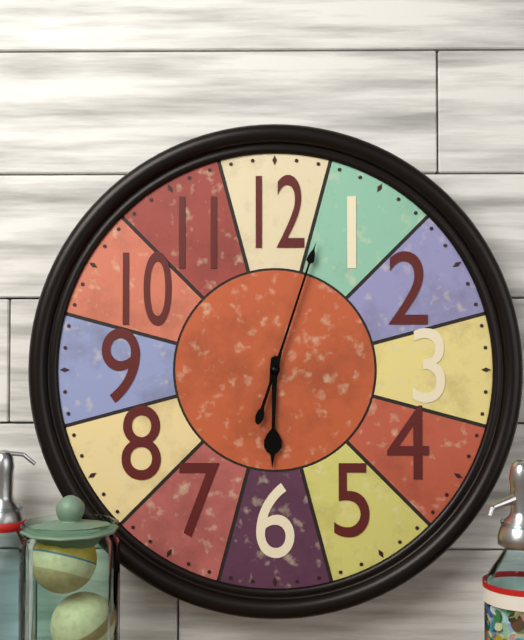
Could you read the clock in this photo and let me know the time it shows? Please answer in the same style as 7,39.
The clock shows 6,03
